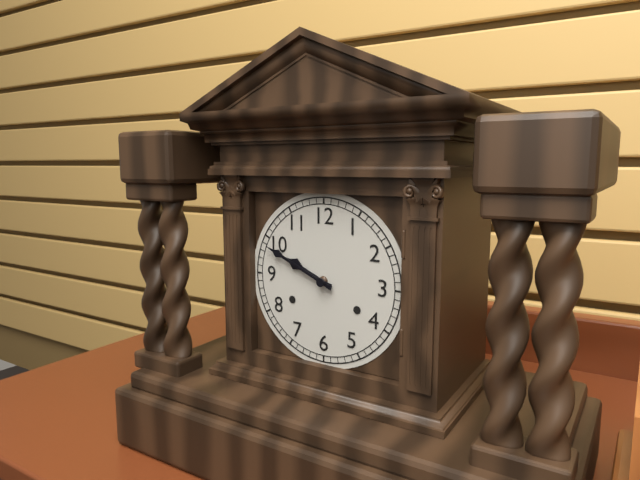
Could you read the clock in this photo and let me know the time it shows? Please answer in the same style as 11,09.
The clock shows 9,49
